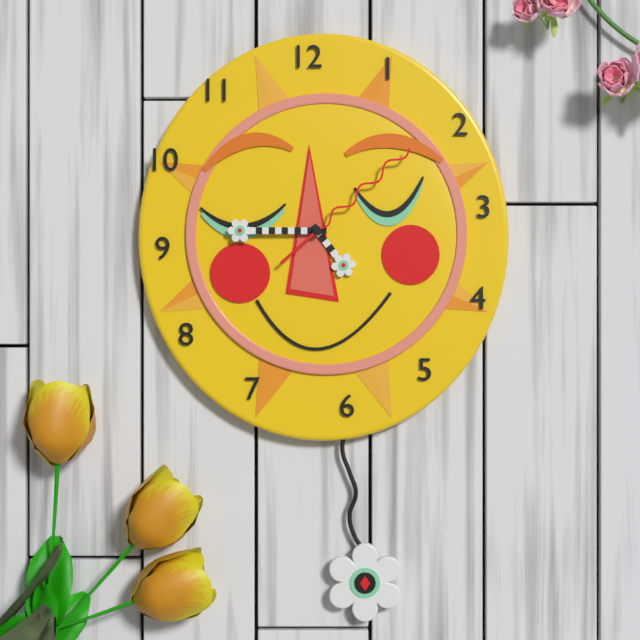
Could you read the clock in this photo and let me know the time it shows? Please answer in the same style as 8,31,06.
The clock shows 4,45,08
